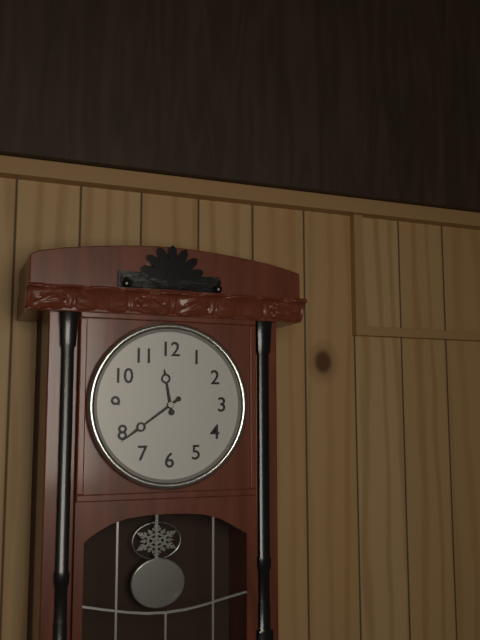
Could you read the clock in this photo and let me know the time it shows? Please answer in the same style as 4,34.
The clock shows 11,39
